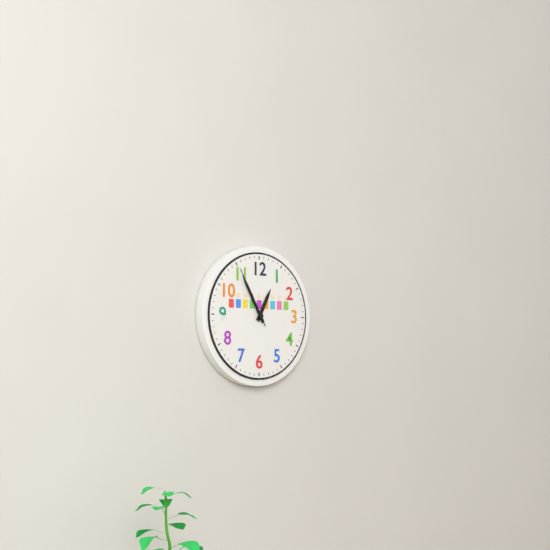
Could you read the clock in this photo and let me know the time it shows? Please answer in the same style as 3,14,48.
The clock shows 12,55,55
